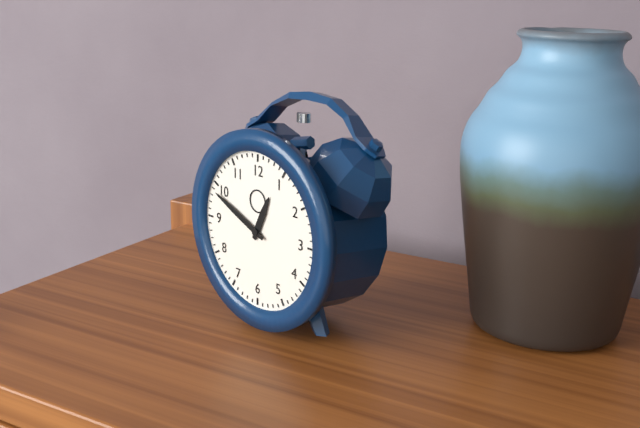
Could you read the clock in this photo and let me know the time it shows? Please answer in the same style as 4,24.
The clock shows 12,49
